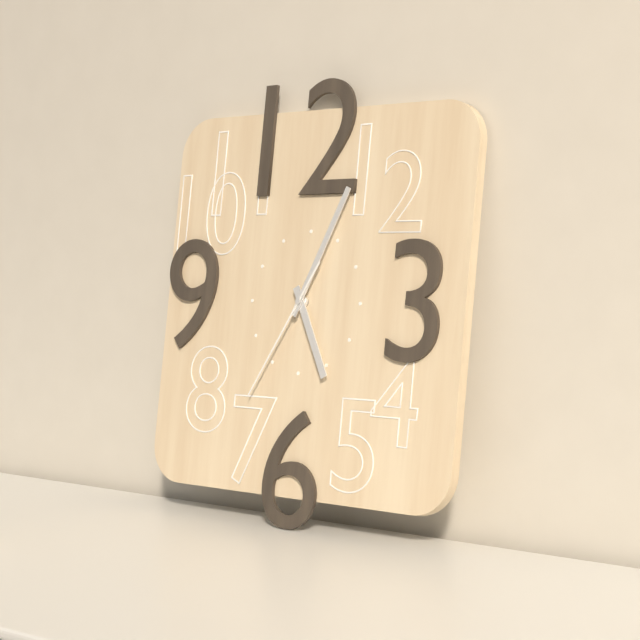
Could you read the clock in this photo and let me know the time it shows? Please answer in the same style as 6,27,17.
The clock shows 5,04,35
